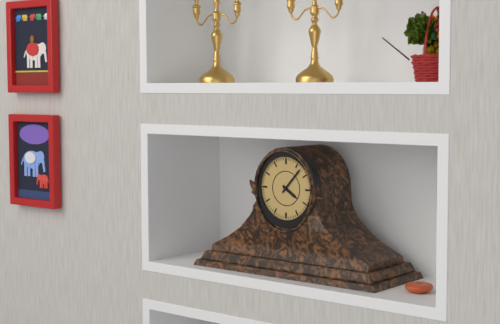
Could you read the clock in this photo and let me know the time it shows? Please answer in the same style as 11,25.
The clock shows 4,07
